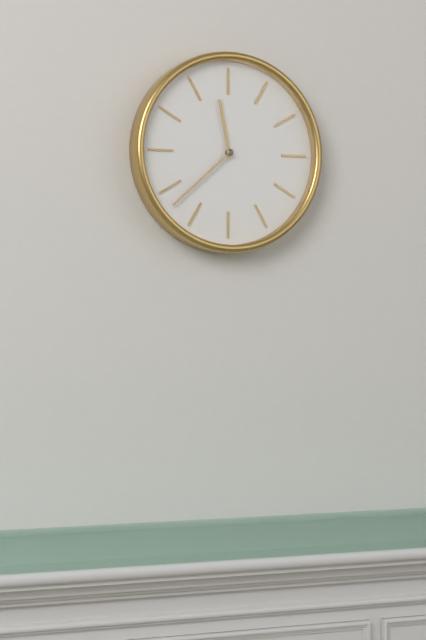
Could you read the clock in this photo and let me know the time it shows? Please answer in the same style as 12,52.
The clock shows 11,38
